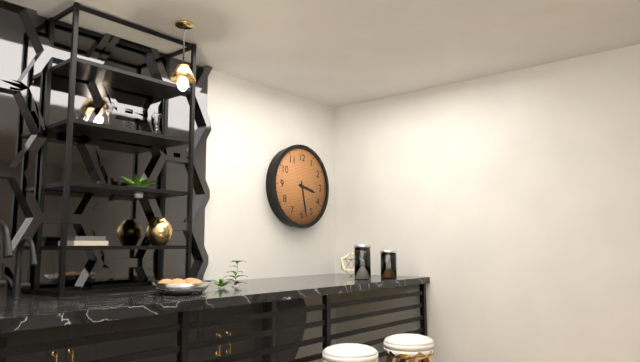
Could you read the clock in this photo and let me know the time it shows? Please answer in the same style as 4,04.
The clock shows 3,28
